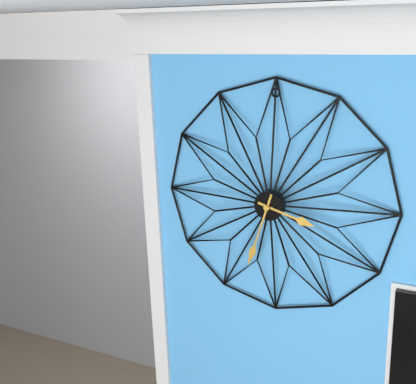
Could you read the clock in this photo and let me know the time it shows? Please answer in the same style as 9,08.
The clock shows 3,33
